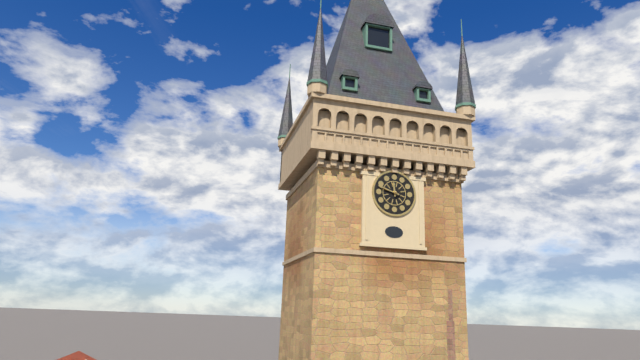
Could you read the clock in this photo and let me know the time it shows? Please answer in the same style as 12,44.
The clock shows 11,48
